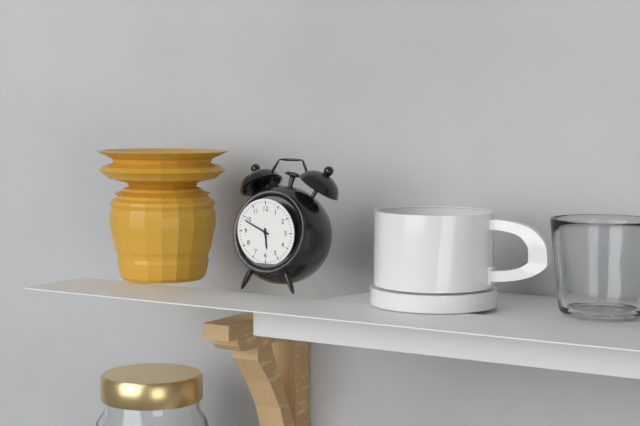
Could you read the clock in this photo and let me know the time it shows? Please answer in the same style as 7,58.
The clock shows 5,49
